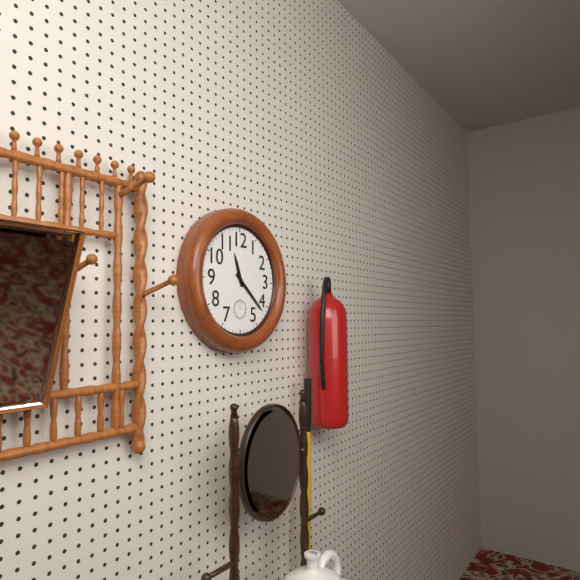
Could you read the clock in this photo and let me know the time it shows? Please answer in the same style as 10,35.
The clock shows 11,22
